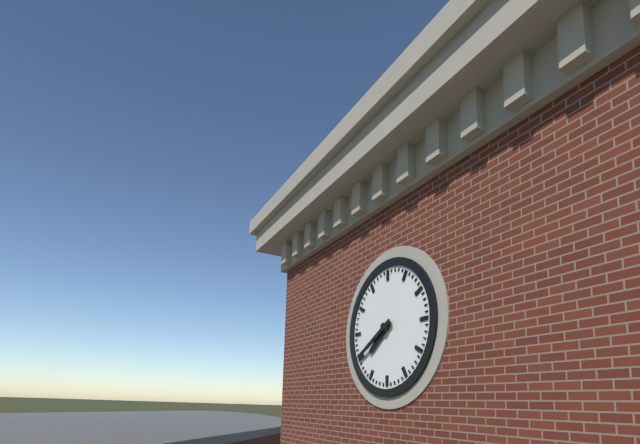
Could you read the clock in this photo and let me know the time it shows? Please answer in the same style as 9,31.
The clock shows 7,40
